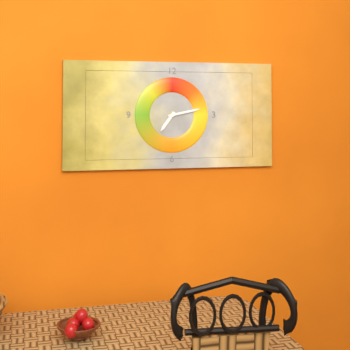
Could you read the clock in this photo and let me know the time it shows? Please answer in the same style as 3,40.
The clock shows 7,13
